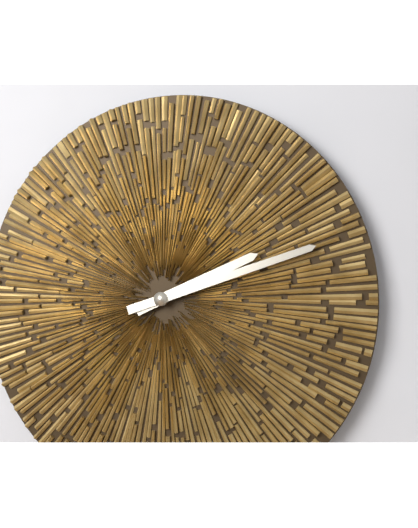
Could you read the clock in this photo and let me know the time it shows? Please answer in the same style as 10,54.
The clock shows 2,12
